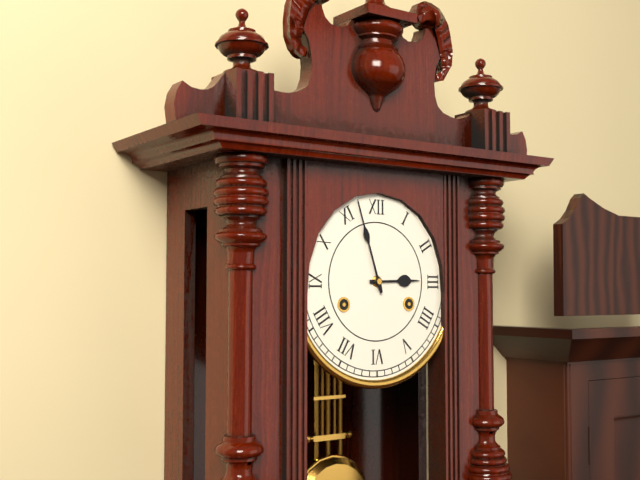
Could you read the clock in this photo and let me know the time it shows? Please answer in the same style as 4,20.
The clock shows 2,57
